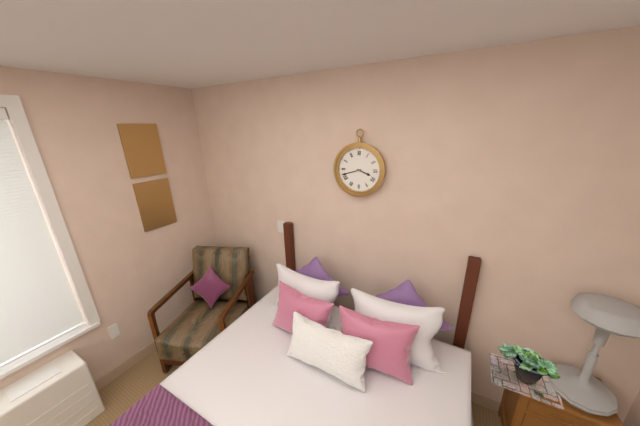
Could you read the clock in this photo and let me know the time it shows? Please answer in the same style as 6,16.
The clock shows 3,42
